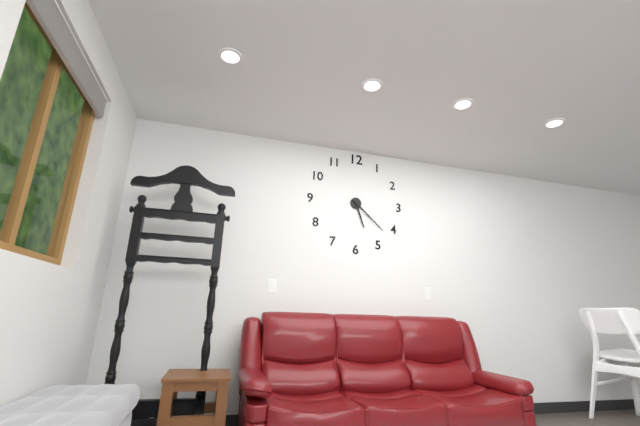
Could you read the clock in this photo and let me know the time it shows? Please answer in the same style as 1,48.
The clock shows 5,22
